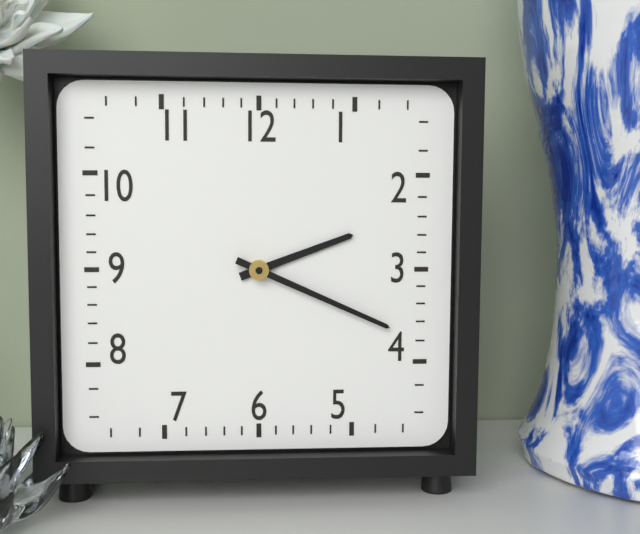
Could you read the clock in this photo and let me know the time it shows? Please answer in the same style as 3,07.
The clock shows 2,19
